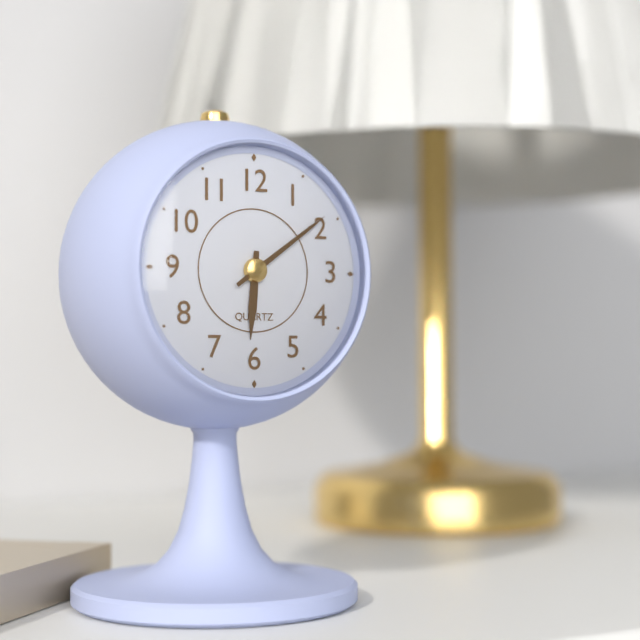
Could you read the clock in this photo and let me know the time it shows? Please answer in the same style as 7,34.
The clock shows 6,09
